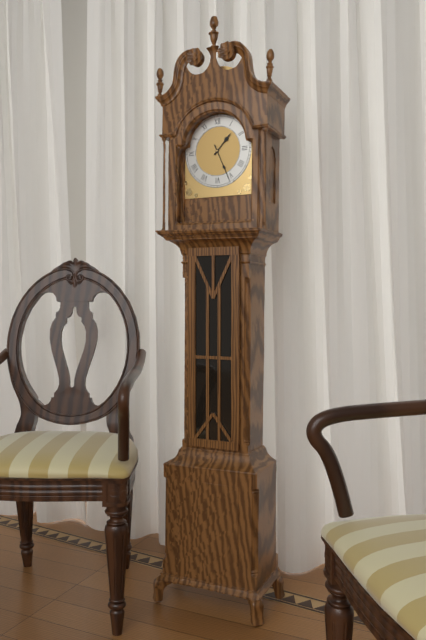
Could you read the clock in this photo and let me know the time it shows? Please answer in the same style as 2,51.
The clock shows 1,26
